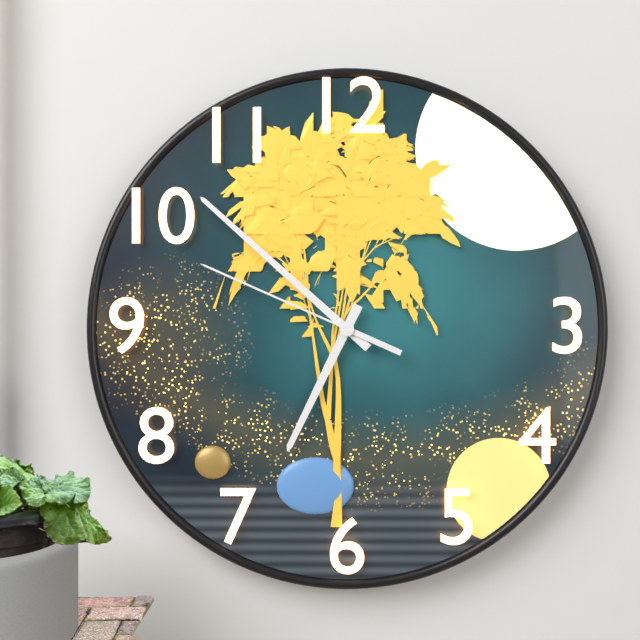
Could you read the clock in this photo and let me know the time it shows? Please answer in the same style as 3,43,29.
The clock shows 6,52,49
